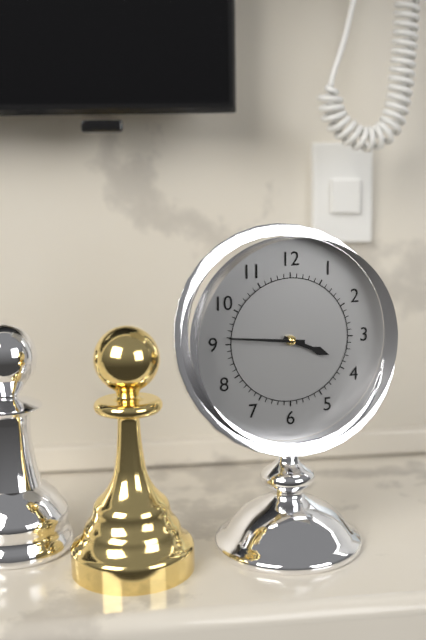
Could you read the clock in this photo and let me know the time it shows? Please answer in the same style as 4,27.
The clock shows 3,46
